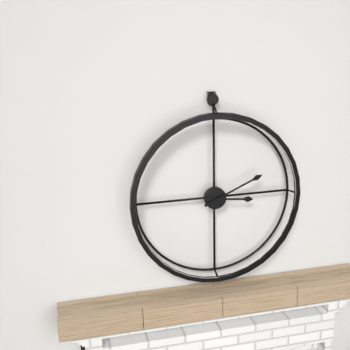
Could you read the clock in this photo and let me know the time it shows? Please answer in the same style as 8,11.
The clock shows 3,11
